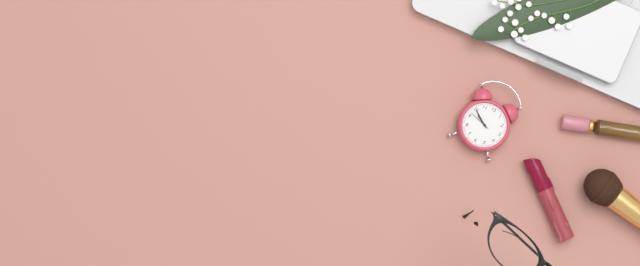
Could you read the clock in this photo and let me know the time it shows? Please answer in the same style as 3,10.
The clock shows 9,50
